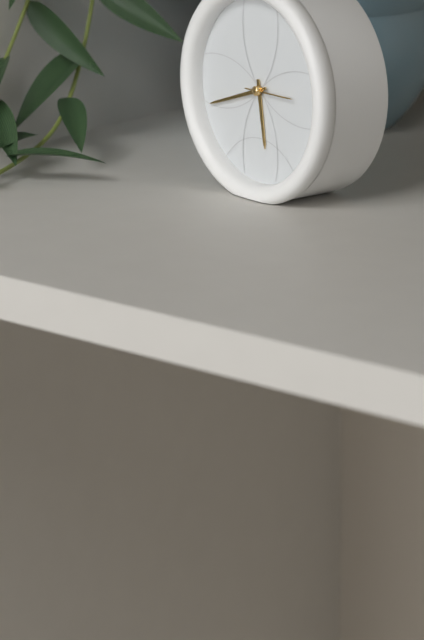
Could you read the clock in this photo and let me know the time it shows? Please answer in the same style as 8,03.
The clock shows 5,42
